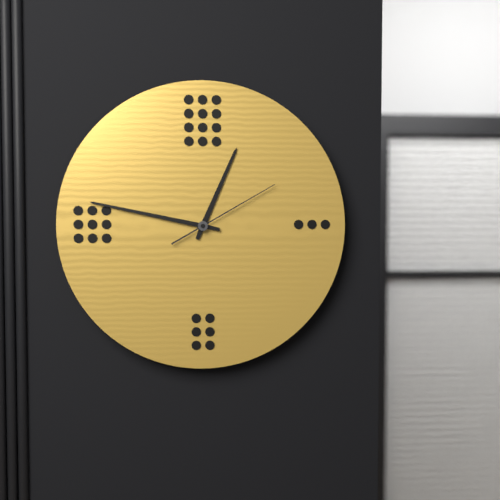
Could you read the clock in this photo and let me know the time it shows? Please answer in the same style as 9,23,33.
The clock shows 12,47,10
